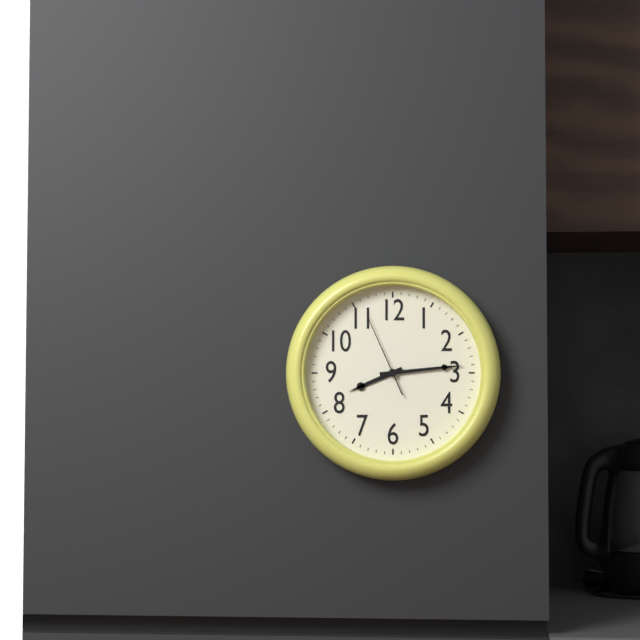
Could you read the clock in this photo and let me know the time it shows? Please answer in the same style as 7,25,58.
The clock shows 8,14,56
